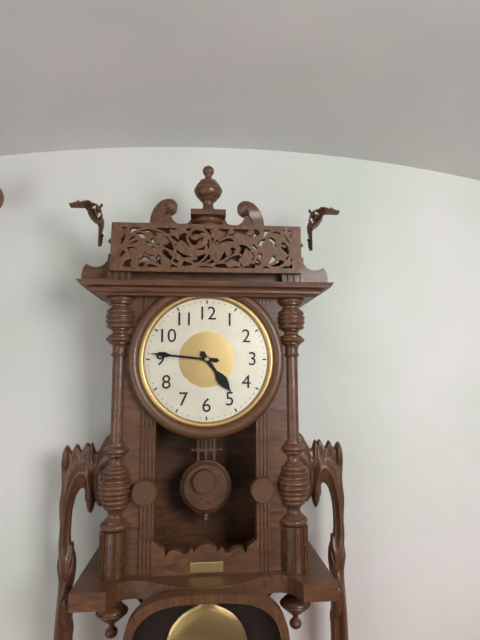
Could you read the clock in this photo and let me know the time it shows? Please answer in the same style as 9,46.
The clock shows 4,46
